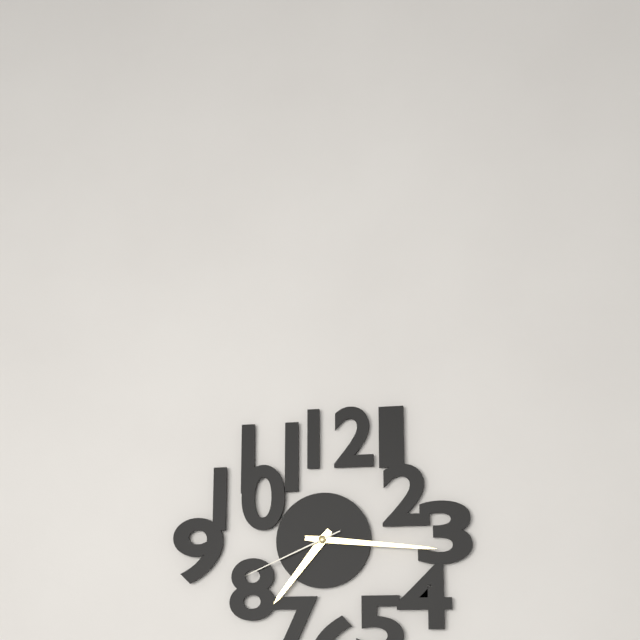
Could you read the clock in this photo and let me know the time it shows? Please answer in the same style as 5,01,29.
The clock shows 7,16,41
